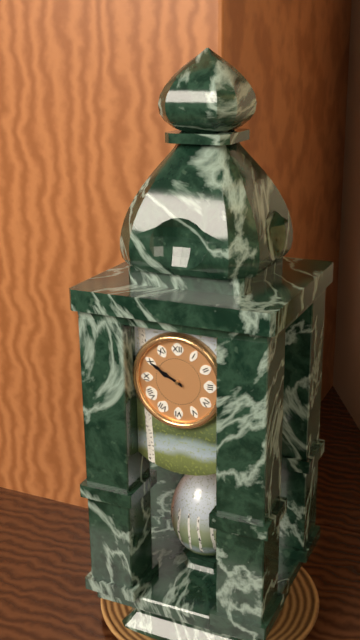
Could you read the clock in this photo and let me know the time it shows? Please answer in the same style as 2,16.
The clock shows 9,50
